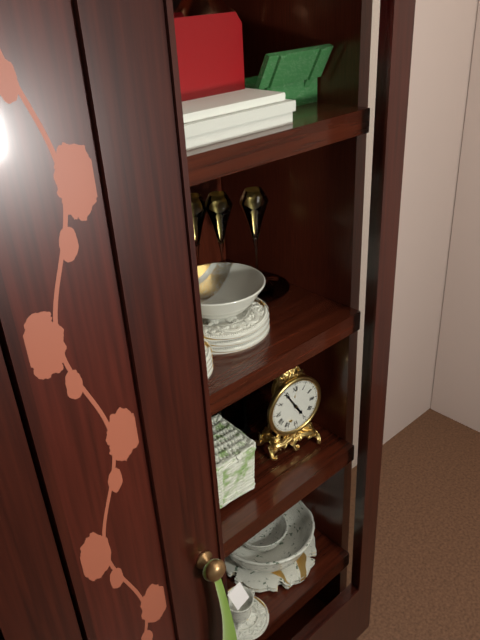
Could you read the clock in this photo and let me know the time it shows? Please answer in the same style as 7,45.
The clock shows 4,55
